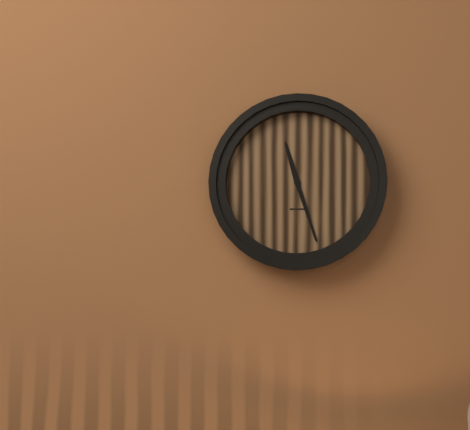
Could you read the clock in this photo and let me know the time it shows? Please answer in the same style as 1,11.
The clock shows 11,27
